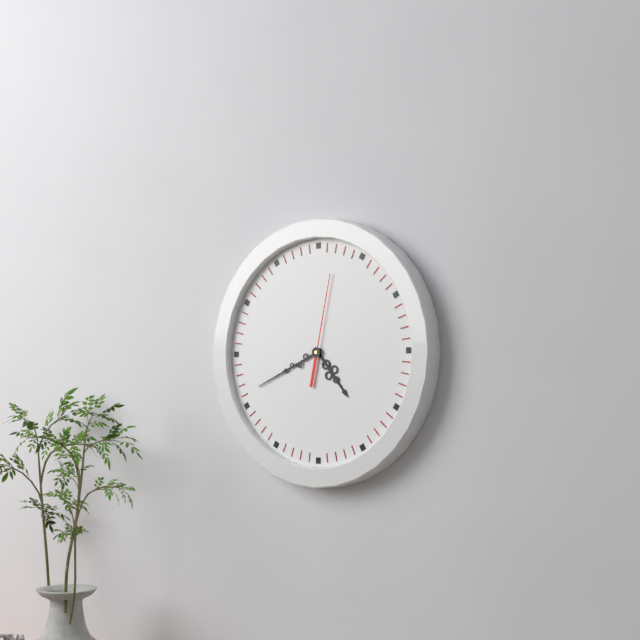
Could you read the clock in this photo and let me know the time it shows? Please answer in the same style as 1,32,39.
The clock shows 4,41,02
